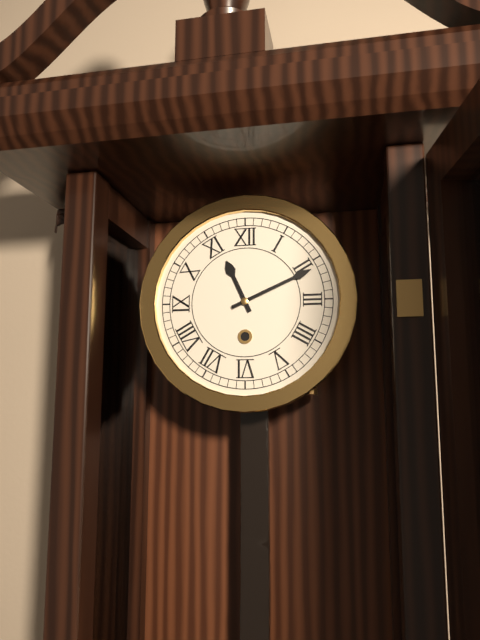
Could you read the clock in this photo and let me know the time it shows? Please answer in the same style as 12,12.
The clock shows 11,11
